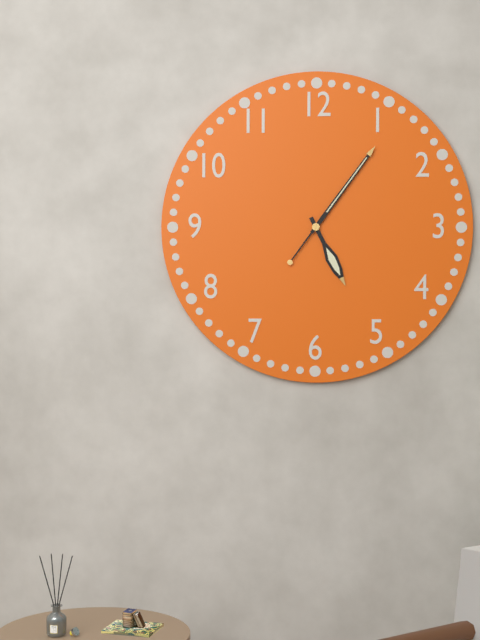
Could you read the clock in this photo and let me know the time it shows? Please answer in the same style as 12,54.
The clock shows 5,06
